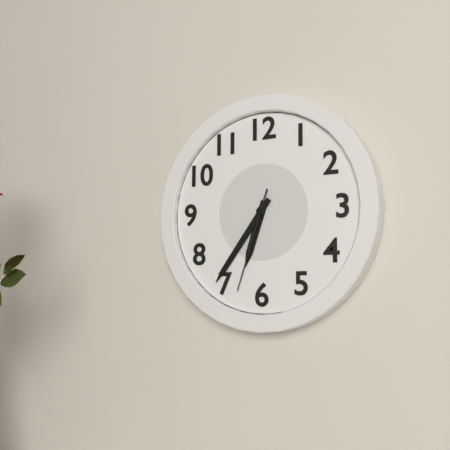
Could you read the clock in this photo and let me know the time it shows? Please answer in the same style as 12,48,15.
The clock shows 6,36,33
